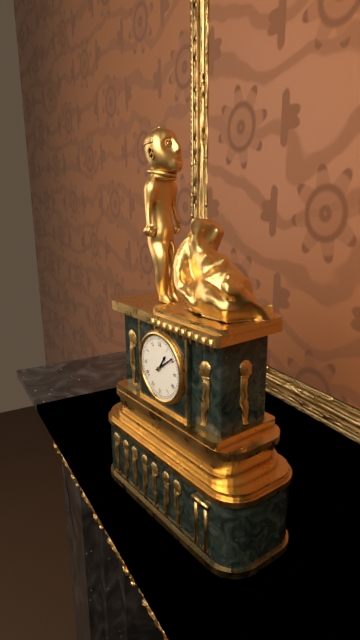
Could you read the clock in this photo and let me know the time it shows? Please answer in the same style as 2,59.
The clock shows 1,09
